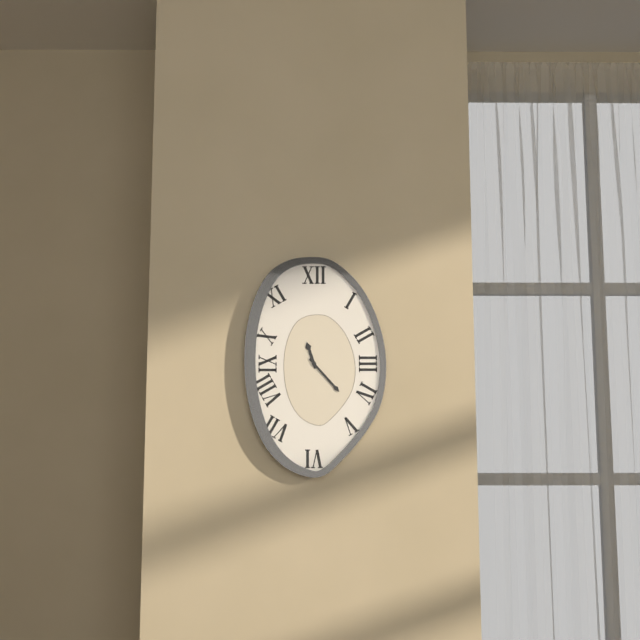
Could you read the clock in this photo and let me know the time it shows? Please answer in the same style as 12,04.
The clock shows 11,23
